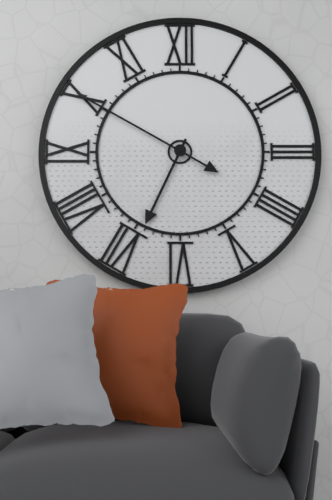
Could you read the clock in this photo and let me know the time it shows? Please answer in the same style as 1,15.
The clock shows 6,50
